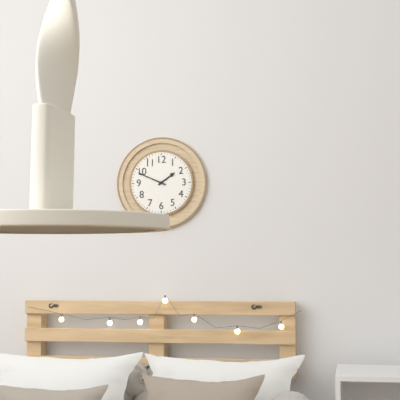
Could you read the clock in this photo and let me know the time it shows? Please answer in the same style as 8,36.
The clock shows 1,49
